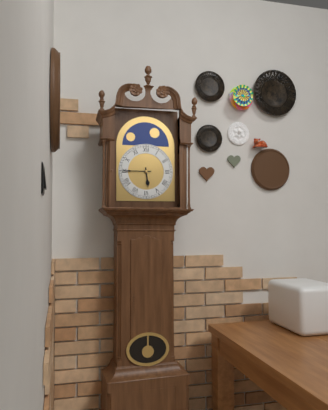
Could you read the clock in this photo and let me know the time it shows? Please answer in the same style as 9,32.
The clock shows 5,45
